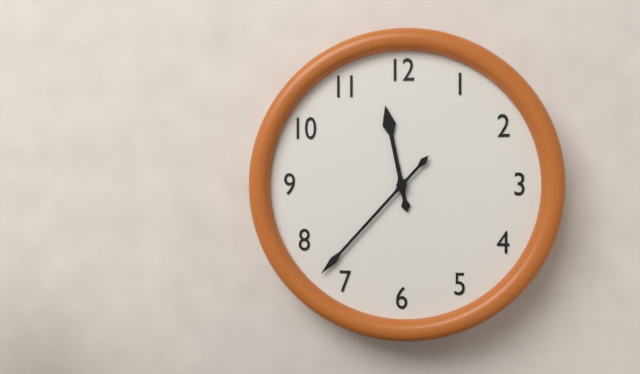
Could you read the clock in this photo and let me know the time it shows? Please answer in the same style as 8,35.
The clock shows 11,37
